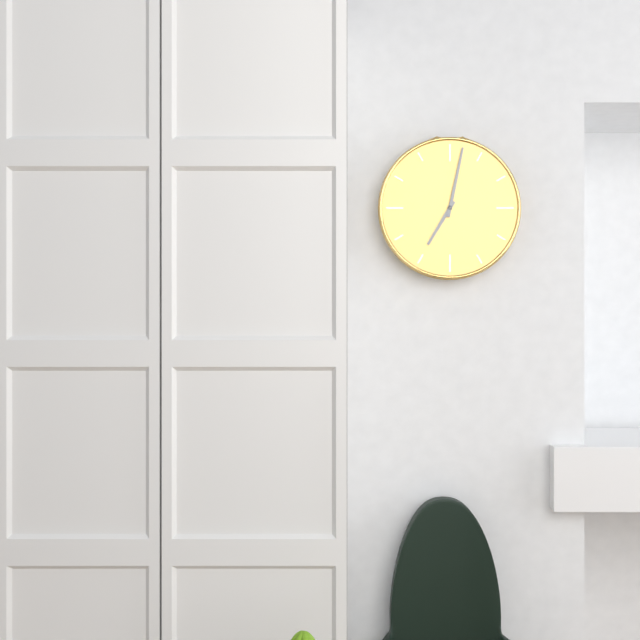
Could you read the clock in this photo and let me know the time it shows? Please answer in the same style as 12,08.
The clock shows 7,02
